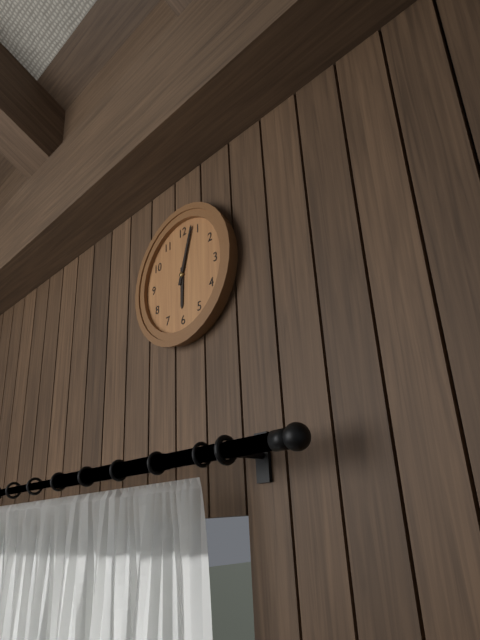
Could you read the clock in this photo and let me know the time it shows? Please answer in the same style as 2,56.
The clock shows 6,03
